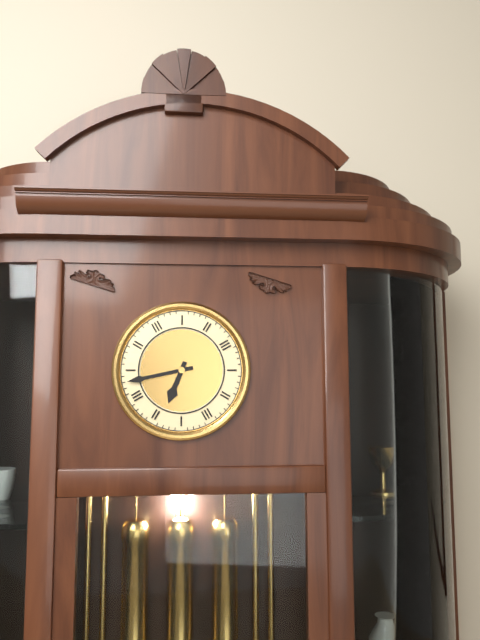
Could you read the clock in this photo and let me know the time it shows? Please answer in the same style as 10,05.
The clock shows 6,43
